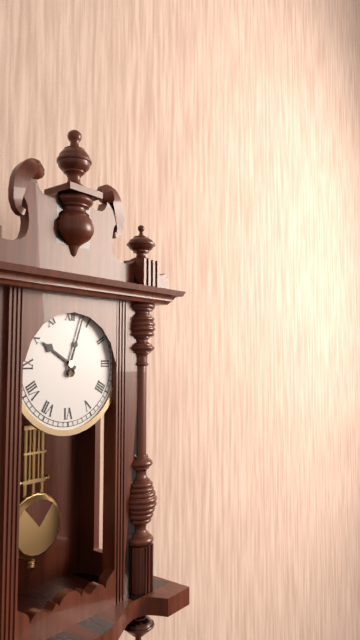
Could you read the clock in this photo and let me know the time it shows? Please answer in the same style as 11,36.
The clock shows 10,03
